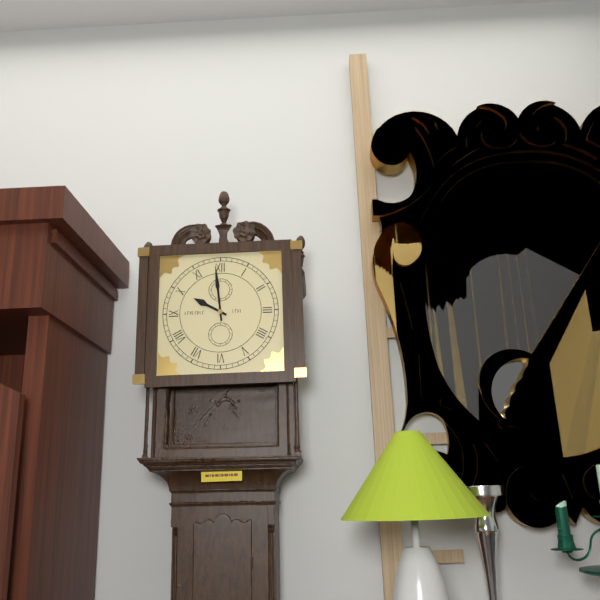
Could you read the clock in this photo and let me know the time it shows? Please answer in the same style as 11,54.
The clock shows 9,59
